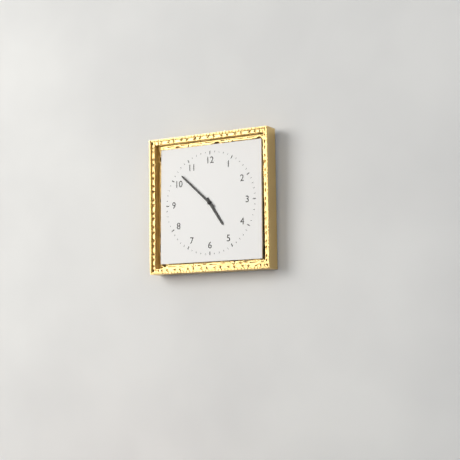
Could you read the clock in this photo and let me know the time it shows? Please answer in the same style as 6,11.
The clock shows 4,52
